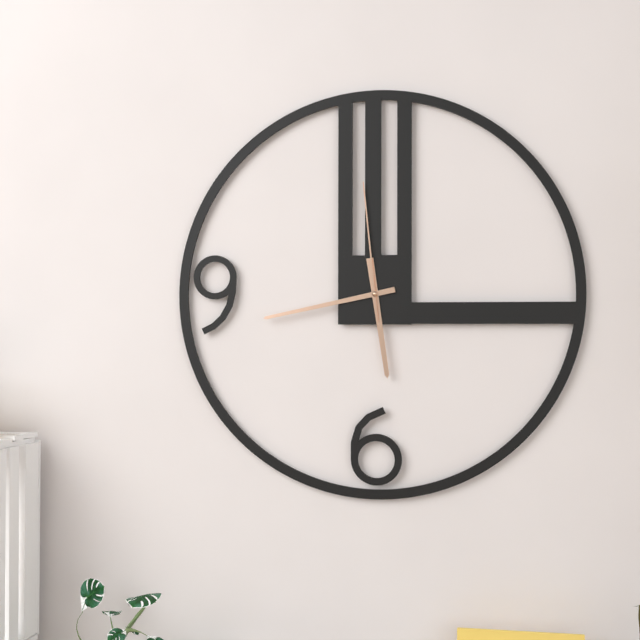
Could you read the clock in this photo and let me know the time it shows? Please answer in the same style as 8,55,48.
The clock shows 5,43,59
